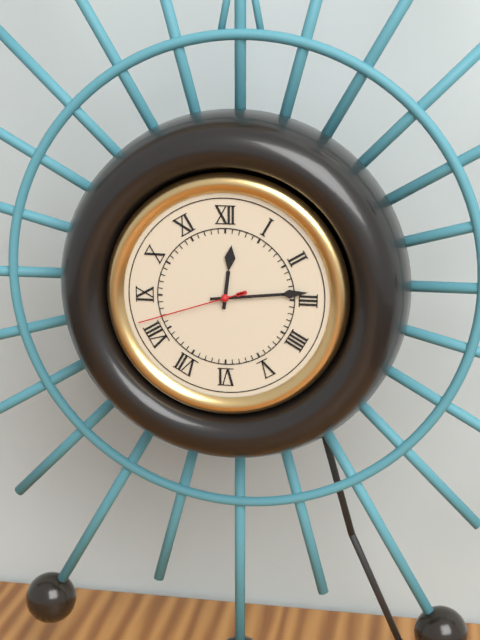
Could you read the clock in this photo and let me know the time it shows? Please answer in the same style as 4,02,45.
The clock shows 12,14,42
